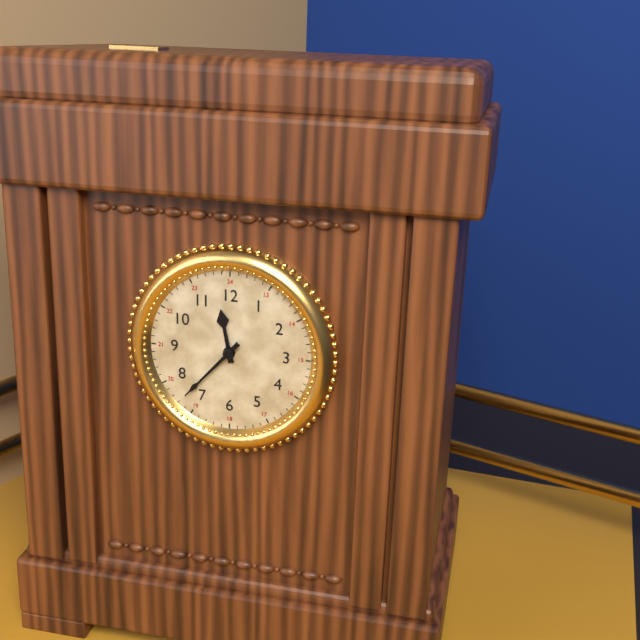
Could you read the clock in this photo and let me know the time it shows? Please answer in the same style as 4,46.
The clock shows 11,37
